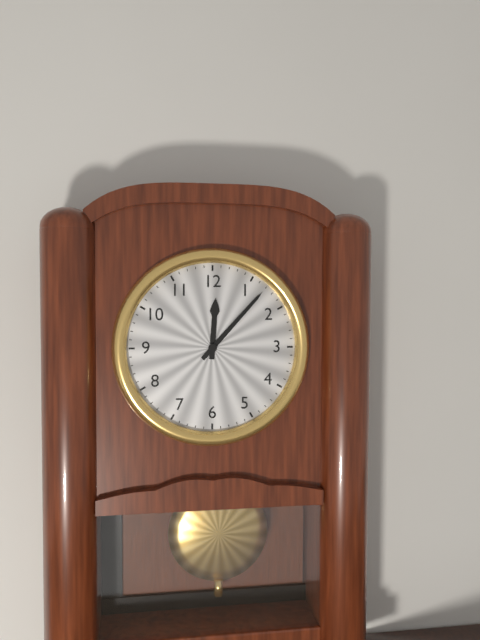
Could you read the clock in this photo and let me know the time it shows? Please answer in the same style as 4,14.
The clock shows 12,07
